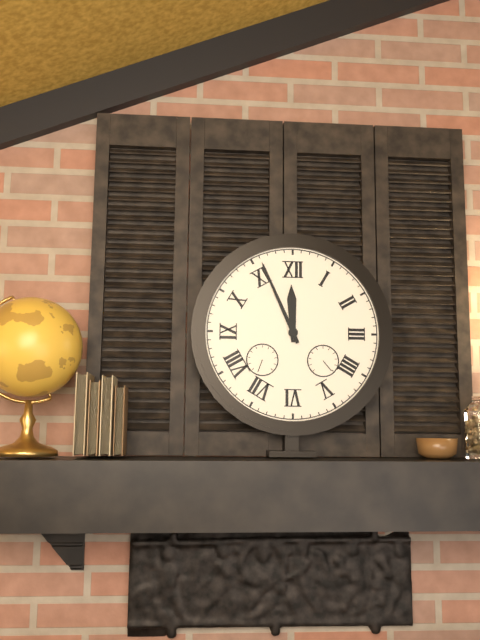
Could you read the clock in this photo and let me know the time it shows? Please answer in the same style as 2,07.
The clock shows 11,56
